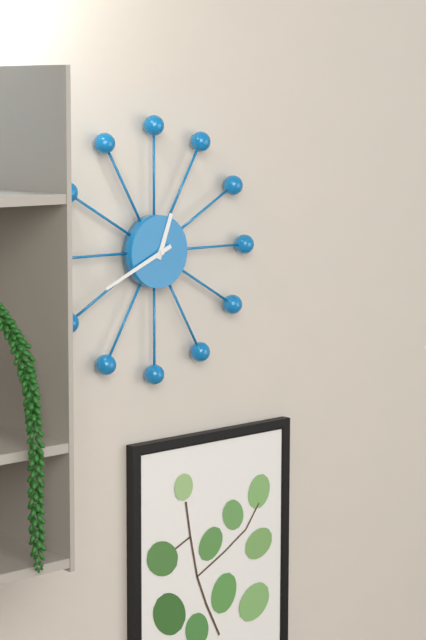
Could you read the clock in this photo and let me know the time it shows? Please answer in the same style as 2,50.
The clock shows 12,41
